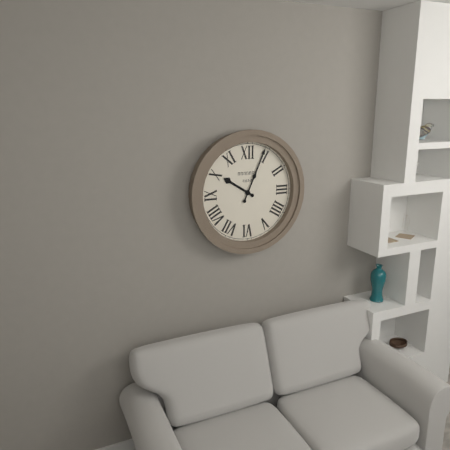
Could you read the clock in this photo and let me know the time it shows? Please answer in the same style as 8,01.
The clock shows 10,04
